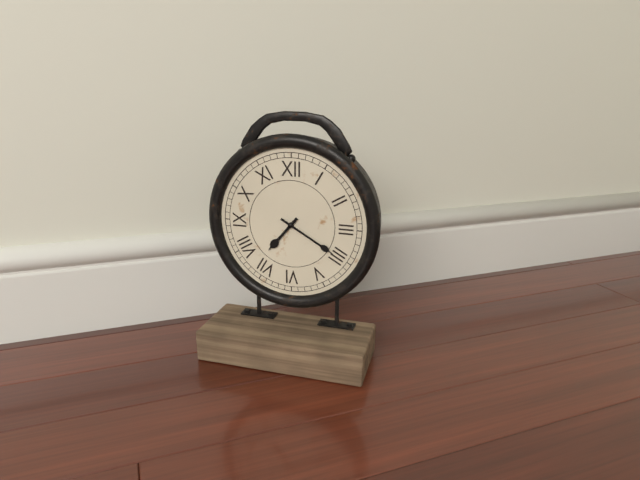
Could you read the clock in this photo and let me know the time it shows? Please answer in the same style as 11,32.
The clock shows 7,20
